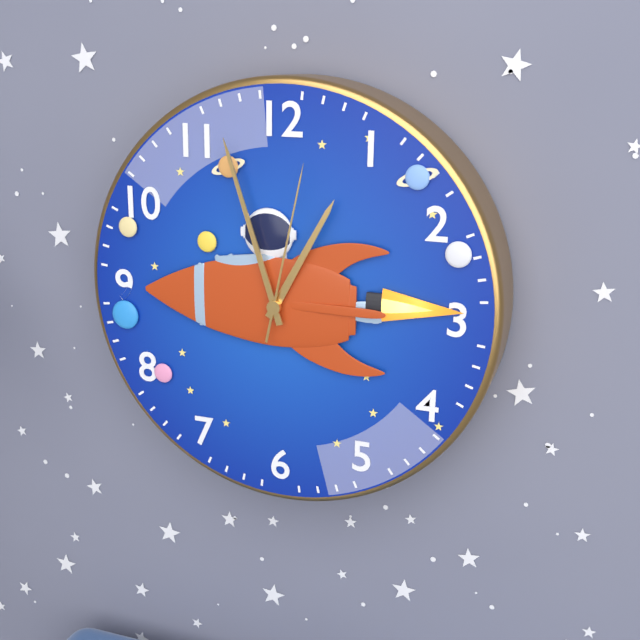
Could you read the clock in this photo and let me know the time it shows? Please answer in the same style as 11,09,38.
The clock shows 12,57,02
